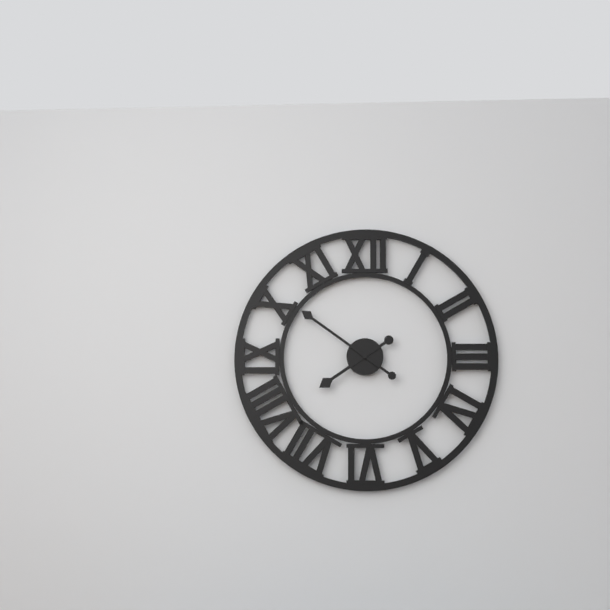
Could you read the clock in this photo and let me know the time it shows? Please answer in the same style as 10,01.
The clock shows 7,51
